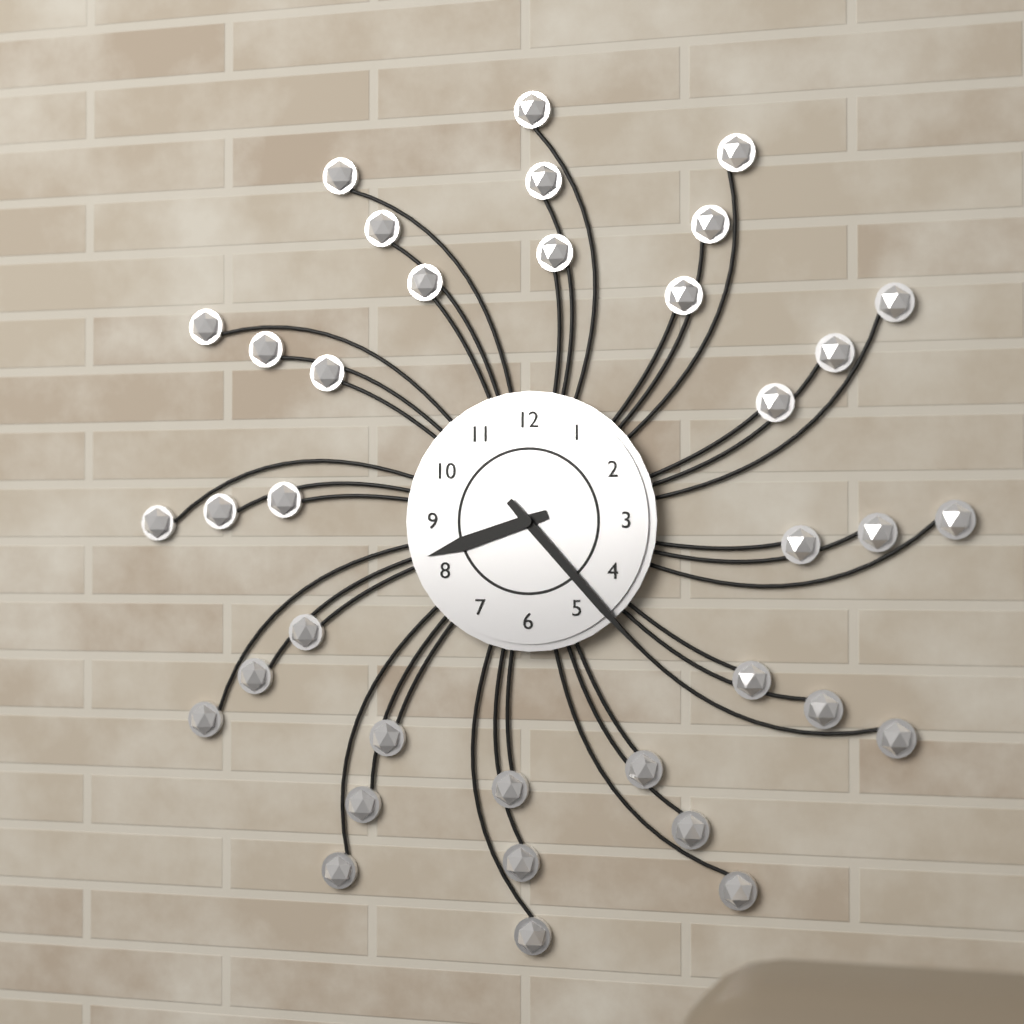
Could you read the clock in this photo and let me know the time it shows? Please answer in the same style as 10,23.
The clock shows 8,23
